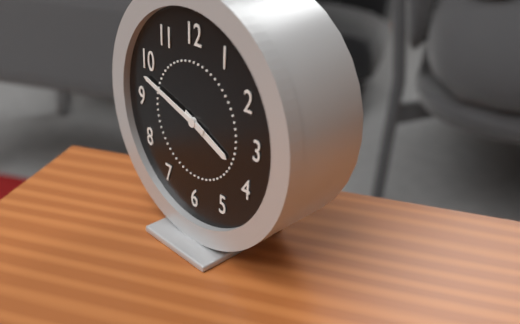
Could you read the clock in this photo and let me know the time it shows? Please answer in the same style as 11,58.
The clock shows 3,48
